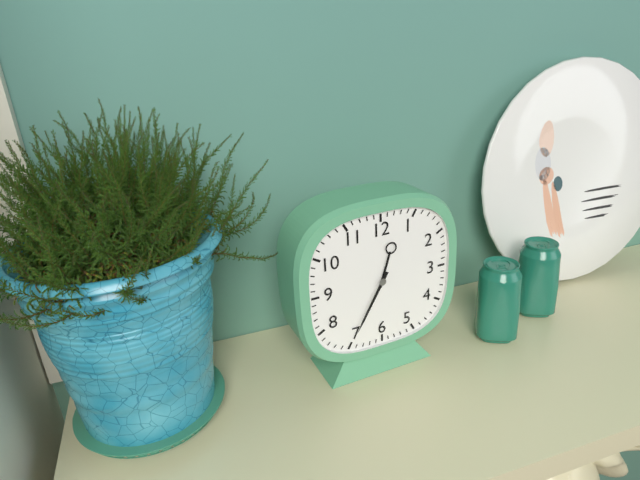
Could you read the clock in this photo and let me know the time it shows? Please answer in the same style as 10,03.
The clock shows 12,35
